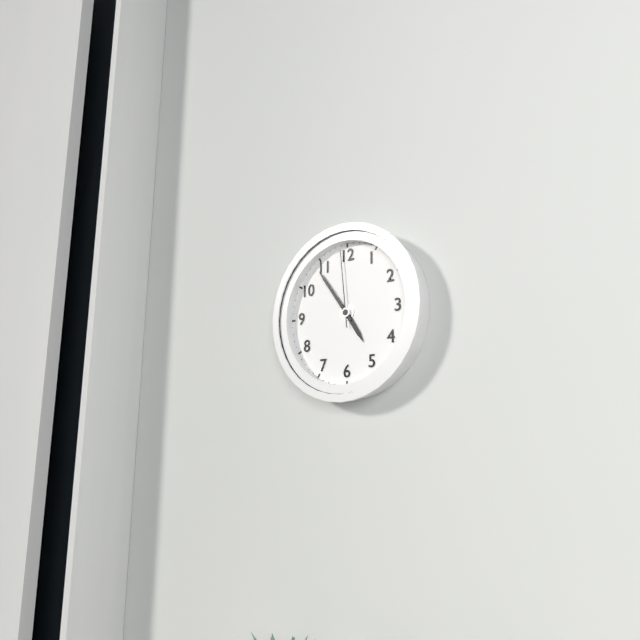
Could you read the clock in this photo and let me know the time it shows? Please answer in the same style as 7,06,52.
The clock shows 4,54,59
